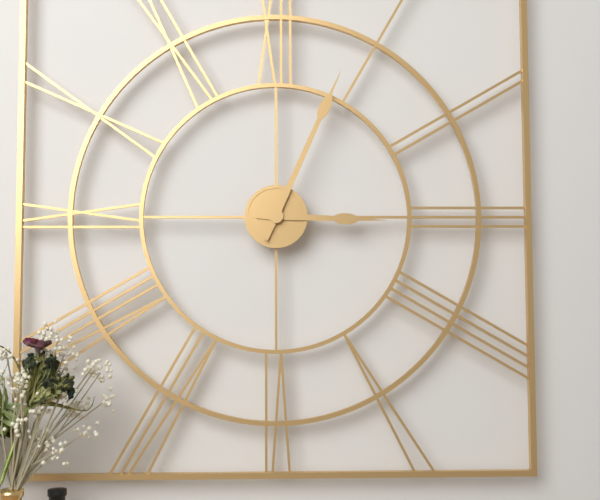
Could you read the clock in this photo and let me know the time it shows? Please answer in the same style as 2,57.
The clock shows 3,04
